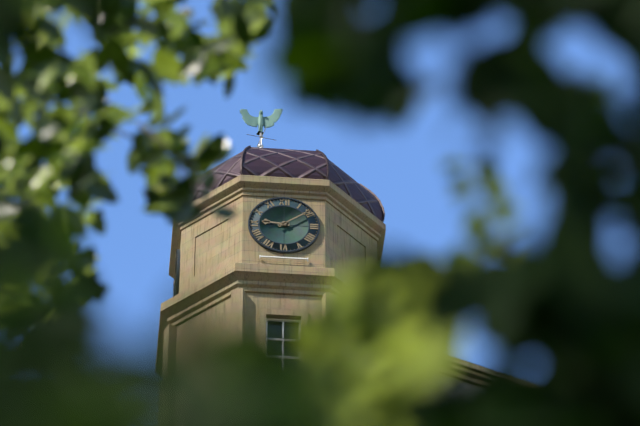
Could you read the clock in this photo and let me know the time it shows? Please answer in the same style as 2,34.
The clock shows 9,09
